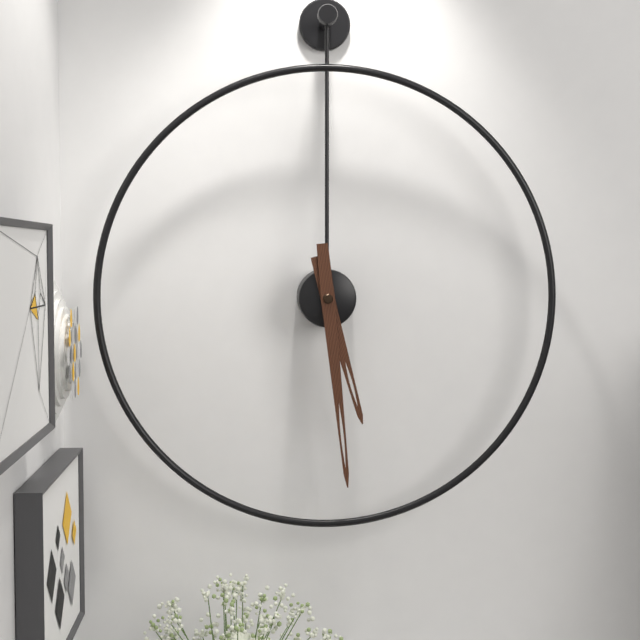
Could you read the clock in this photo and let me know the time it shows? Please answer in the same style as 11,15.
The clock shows 5,29
